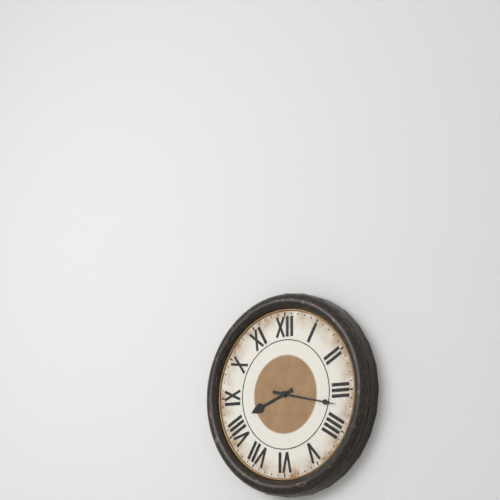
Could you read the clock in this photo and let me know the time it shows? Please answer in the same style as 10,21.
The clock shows 8,17
